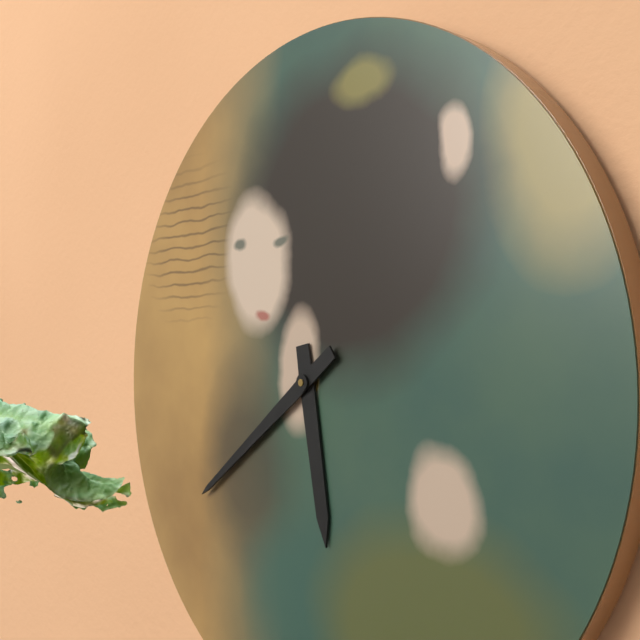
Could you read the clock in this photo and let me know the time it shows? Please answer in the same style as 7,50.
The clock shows 5,39
